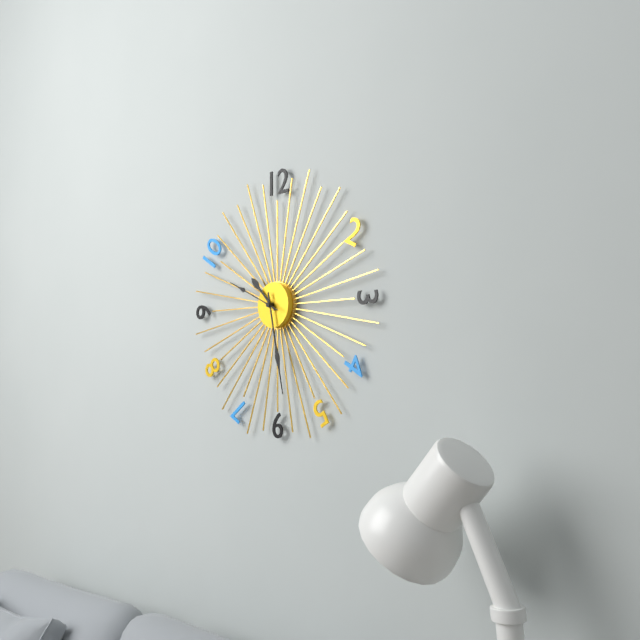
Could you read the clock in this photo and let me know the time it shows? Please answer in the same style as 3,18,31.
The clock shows 10,28,49
